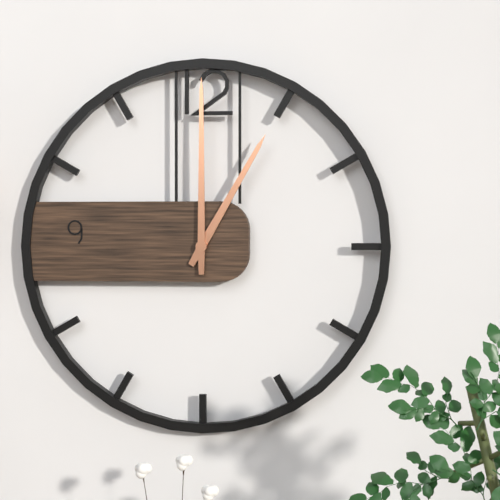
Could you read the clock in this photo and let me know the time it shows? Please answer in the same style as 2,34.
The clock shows 1,00
